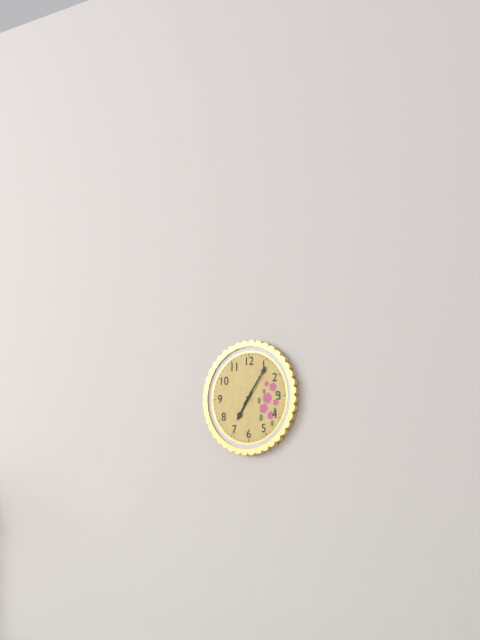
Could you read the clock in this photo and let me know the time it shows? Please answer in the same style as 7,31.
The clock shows 7,06
